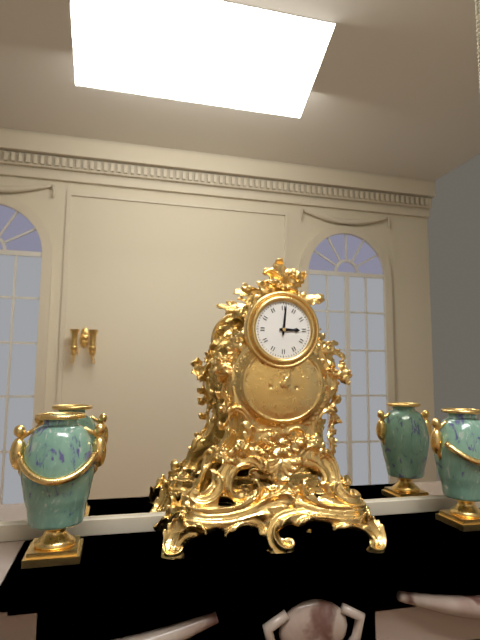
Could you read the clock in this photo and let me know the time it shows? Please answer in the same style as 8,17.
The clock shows 3,01
